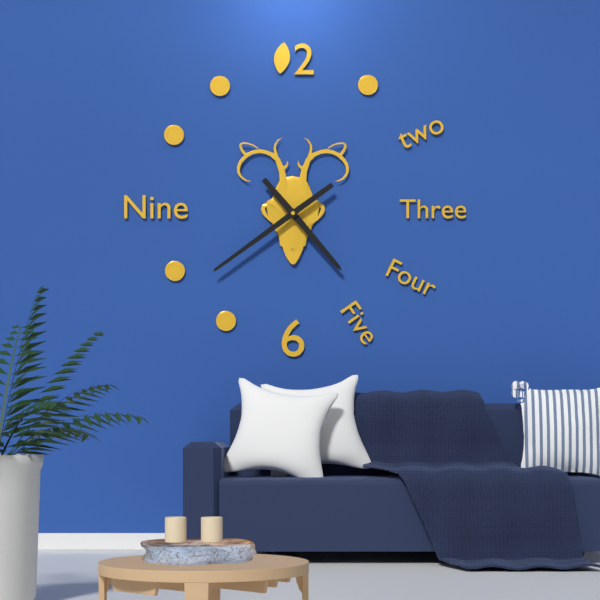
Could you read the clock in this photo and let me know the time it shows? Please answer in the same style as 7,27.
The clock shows 4,39
